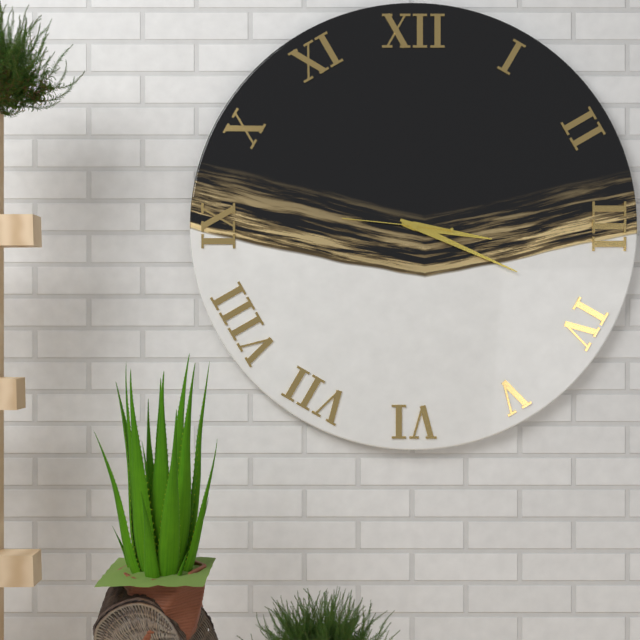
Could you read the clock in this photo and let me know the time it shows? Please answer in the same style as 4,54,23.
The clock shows 3,19,46
